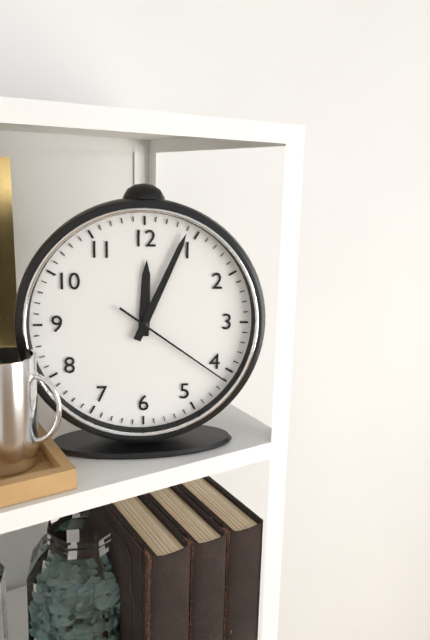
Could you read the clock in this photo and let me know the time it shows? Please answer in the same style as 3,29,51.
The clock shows 12,04,21
